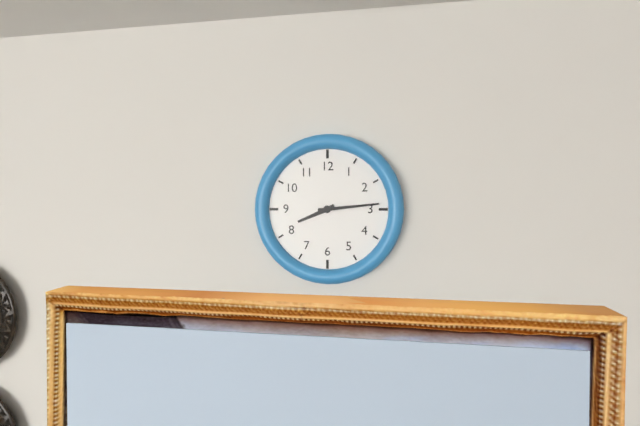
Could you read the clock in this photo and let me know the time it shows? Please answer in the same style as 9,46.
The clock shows 8,14
